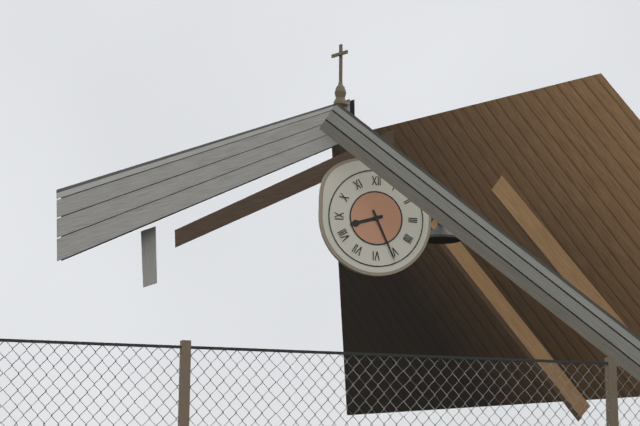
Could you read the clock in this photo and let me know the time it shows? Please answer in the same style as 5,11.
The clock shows 8,26
